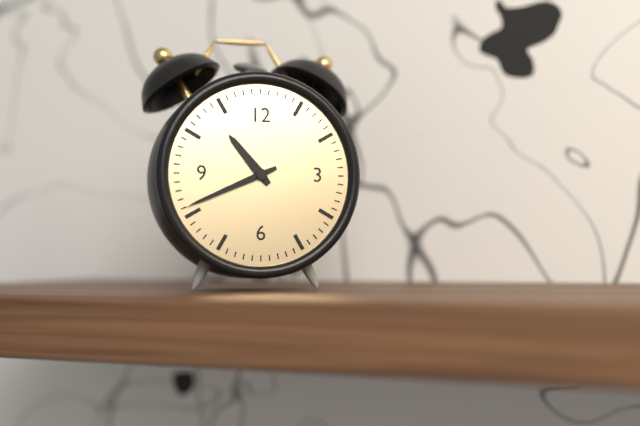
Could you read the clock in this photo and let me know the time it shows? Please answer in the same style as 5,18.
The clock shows 10,41
